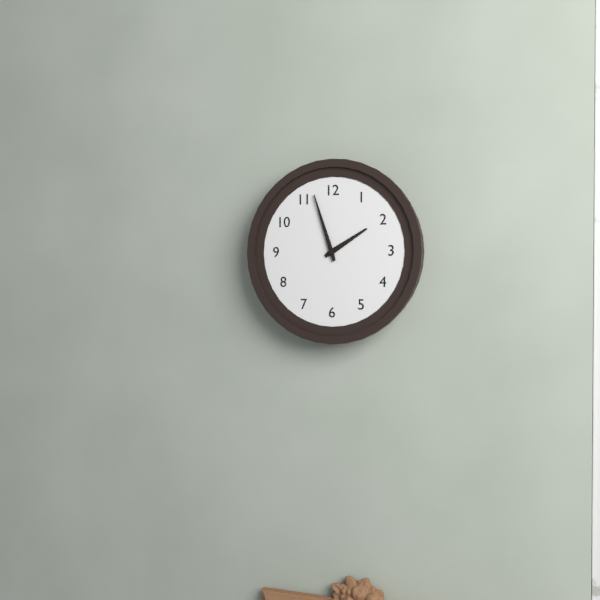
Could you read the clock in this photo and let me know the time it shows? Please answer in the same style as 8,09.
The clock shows 1,57
